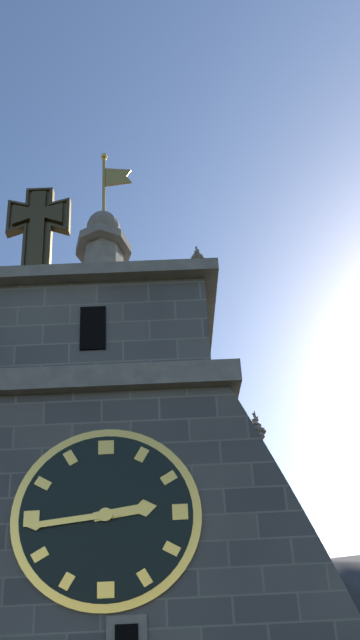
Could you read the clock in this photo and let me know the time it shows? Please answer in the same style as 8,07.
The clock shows 2,44
